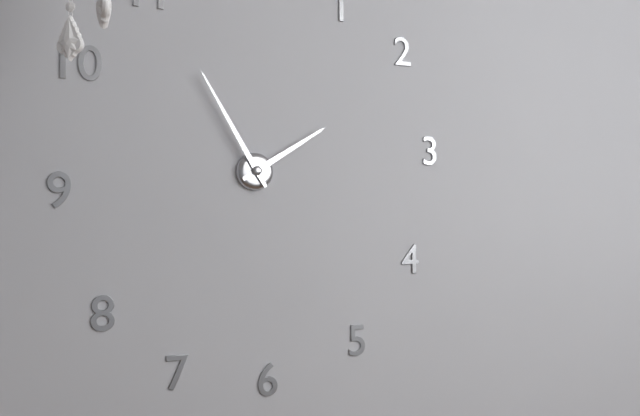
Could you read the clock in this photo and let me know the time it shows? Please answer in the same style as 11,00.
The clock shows 1,55
